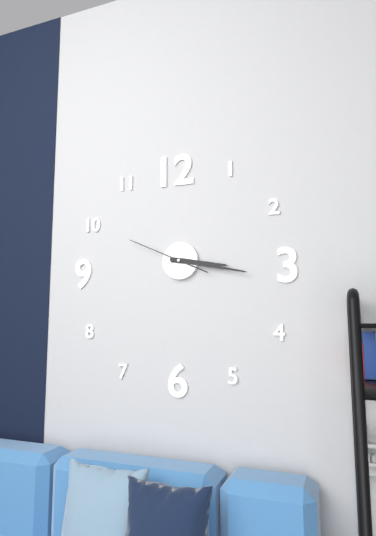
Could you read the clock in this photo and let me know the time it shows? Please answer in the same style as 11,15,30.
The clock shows 3,17,49
